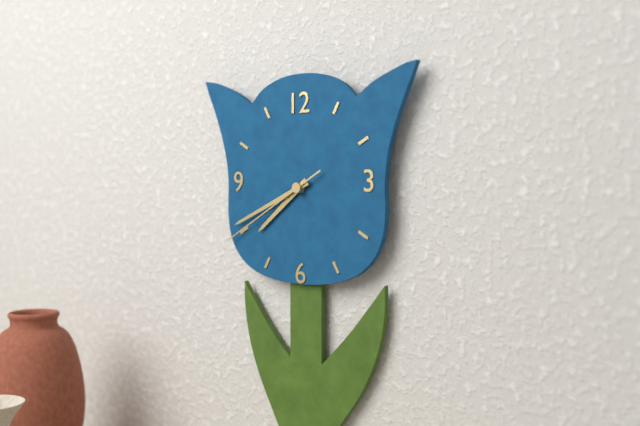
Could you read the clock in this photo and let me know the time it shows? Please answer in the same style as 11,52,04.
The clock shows 7,41,40
